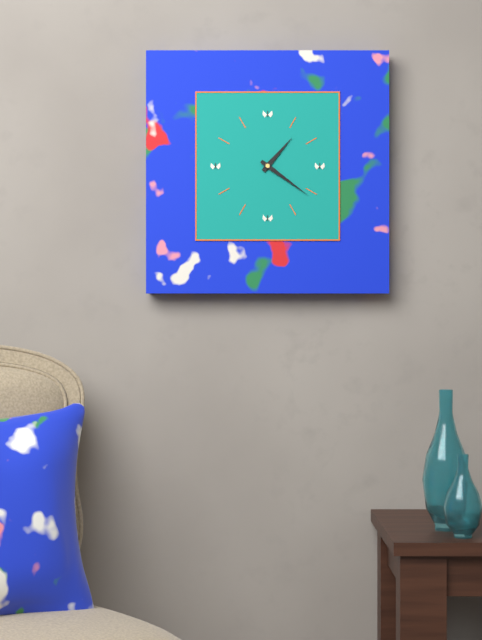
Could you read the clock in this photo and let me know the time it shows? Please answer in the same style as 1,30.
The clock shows 1,21
